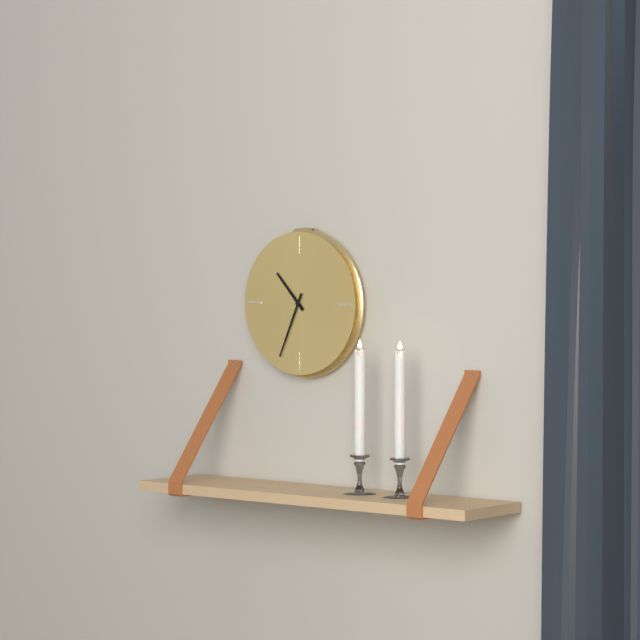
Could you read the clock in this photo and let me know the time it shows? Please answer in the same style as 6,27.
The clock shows 10,34
